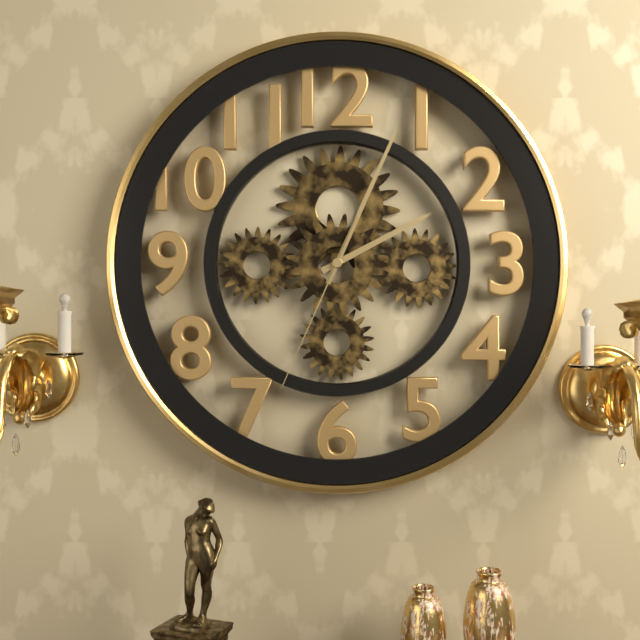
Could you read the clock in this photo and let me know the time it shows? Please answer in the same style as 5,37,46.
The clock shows 2,04,34
